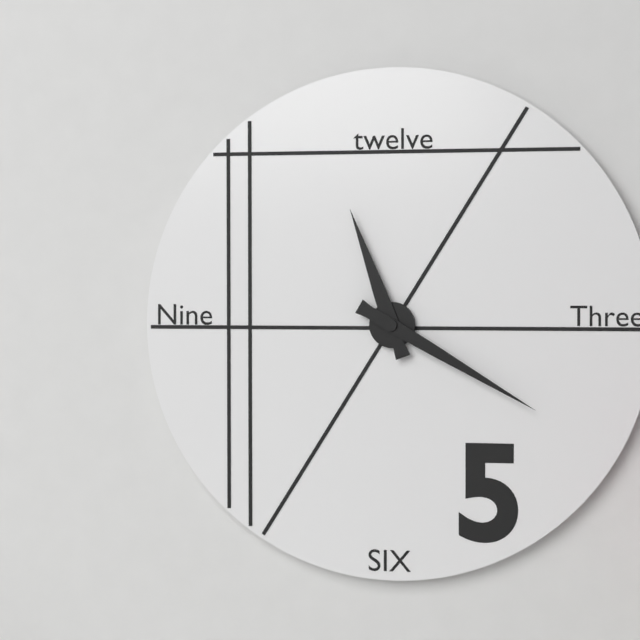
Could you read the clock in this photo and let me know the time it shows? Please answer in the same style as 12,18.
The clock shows 11,20
